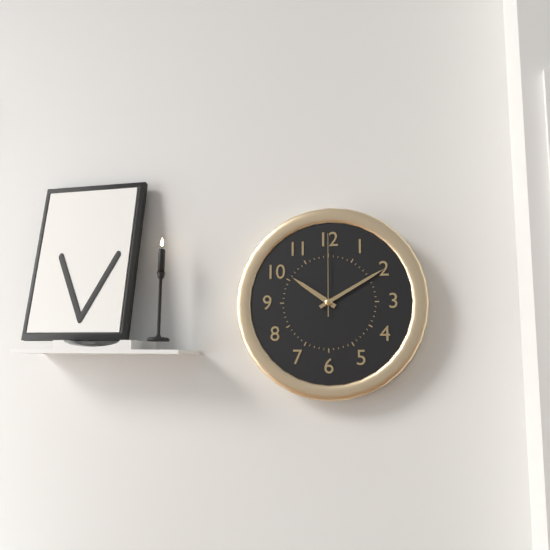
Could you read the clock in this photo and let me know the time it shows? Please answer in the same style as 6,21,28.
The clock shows 10,10,00
